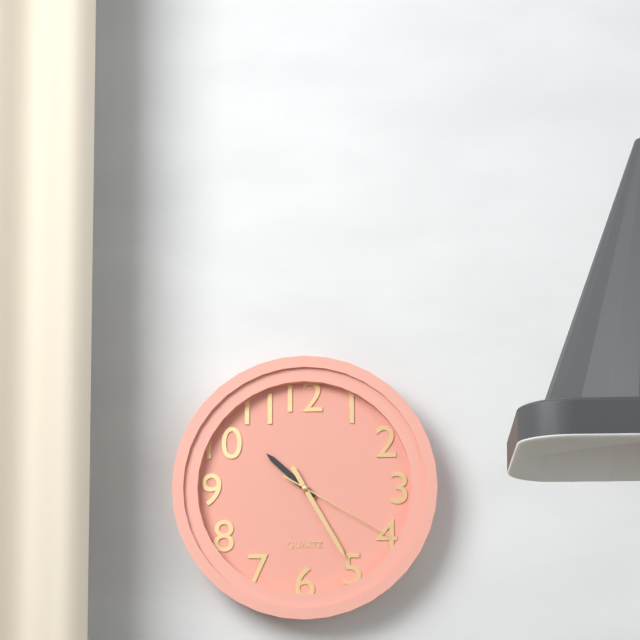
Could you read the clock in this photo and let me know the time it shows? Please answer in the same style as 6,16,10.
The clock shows 10,25,20
